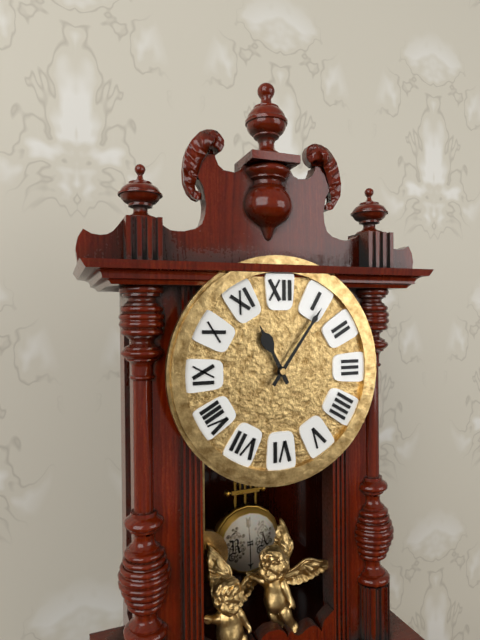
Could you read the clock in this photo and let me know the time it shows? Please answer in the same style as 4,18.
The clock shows 11,06
